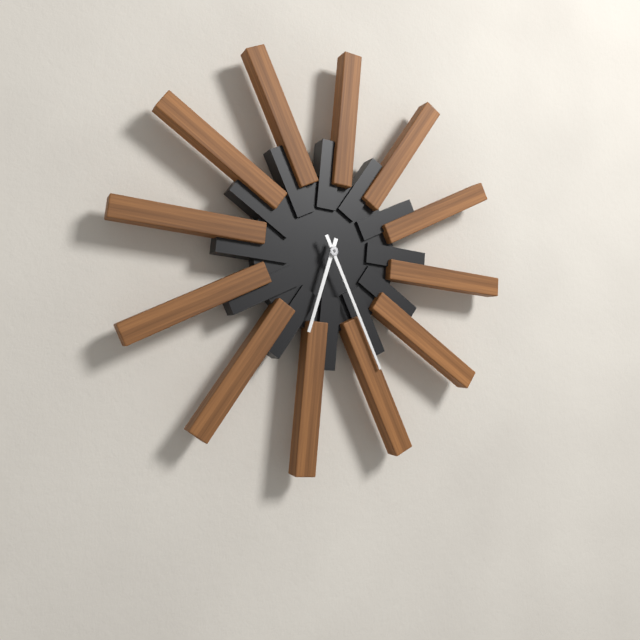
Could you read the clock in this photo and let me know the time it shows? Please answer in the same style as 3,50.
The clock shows 6,25
